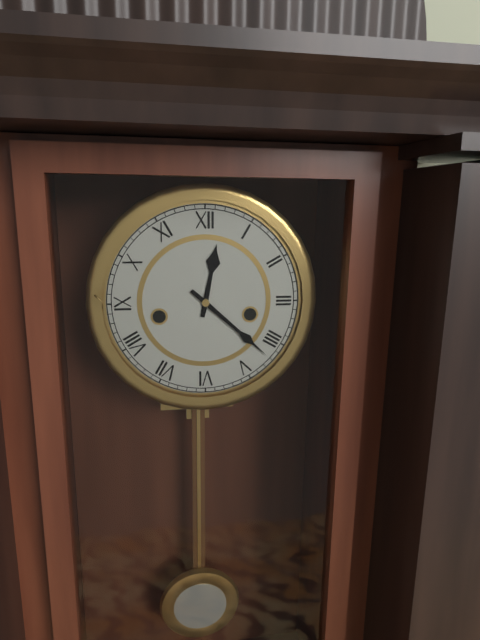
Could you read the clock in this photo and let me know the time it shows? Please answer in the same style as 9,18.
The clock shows 12,22
